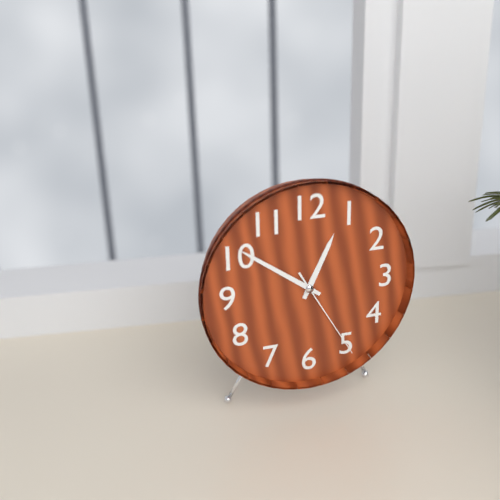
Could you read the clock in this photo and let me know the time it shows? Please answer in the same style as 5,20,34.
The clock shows 12,51,25
